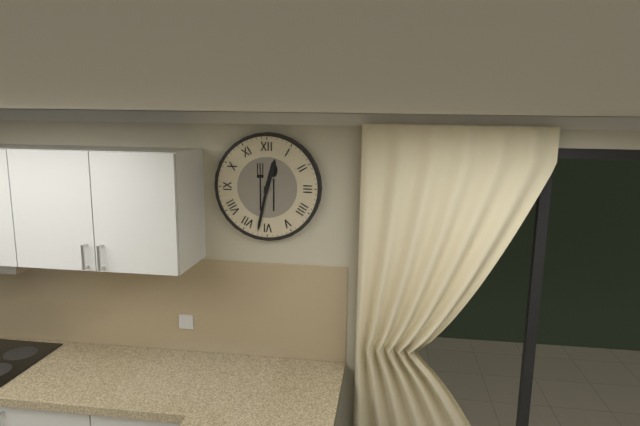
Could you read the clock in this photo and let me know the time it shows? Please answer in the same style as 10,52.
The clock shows 12,32
